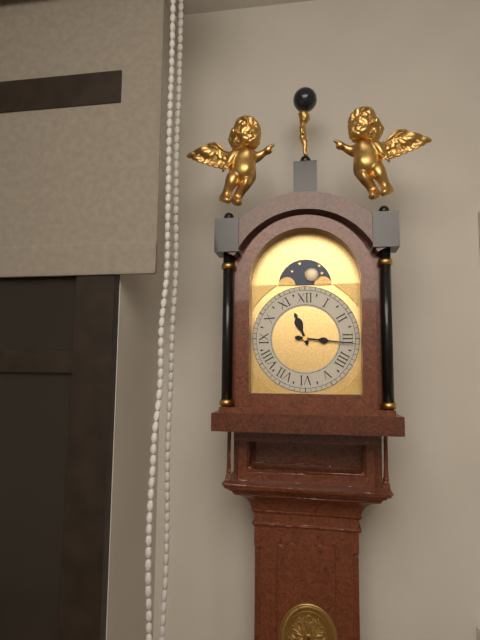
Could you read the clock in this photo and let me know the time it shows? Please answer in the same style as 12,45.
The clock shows 11,16
